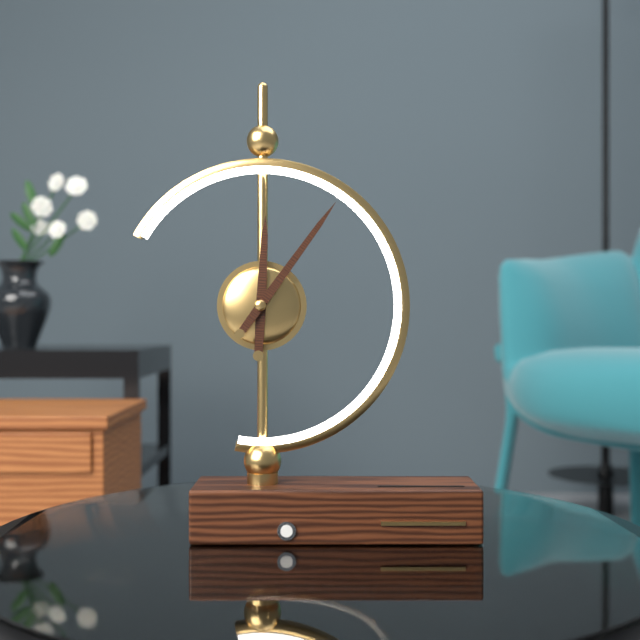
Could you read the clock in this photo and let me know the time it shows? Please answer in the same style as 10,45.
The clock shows 12,06
